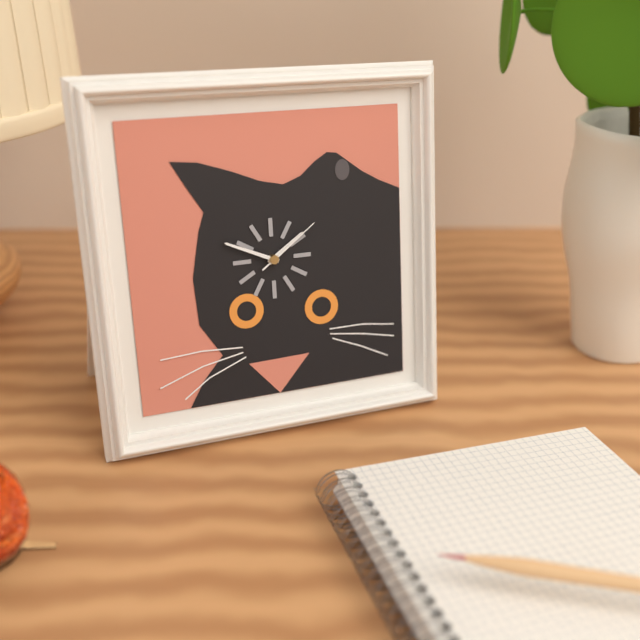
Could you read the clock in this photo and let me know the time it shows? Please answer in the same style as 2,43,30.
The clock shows 1,49,09
